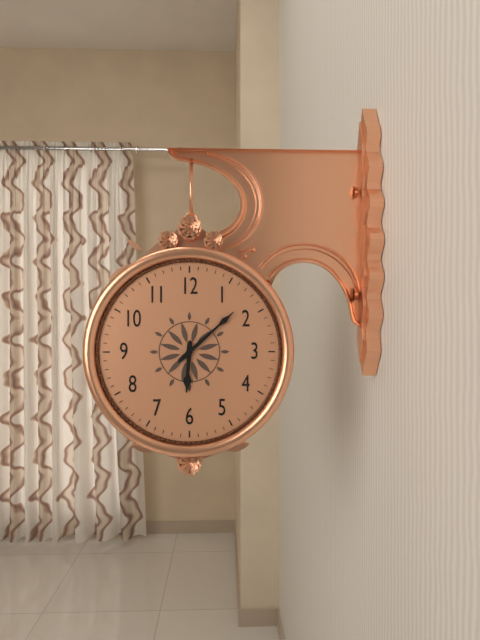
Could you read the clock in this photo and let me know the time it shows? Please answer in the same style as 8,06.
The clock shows 6,08
